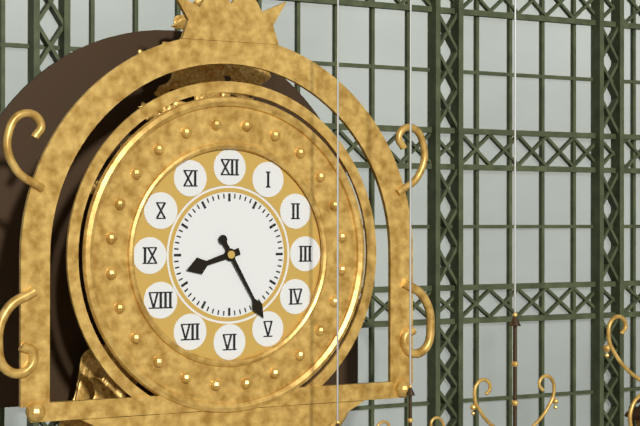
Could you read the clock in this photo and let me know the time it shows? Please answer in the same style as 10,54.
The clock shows 8,25
